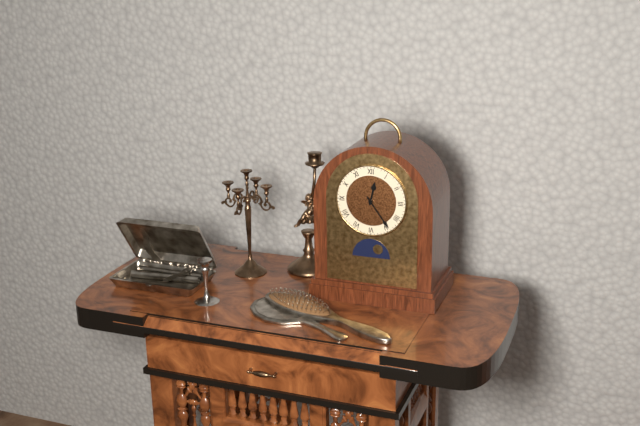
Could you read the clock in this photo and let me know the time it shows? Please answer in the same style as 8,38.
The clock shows 12,24
